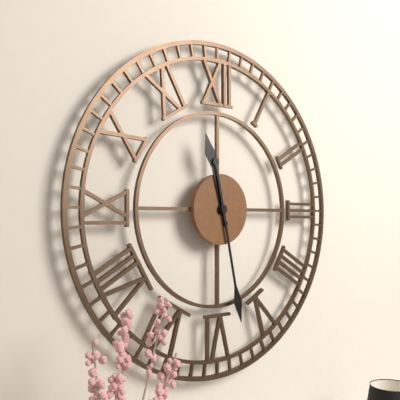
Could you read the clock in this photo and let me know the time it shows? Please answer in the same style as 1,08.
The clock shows 11,28
